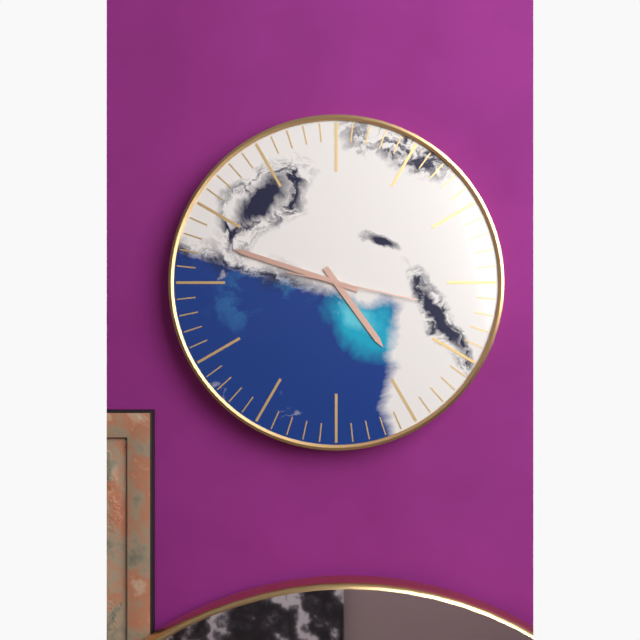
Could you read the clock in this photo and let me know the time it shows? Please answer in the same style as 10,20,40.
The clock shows 4,48,17
